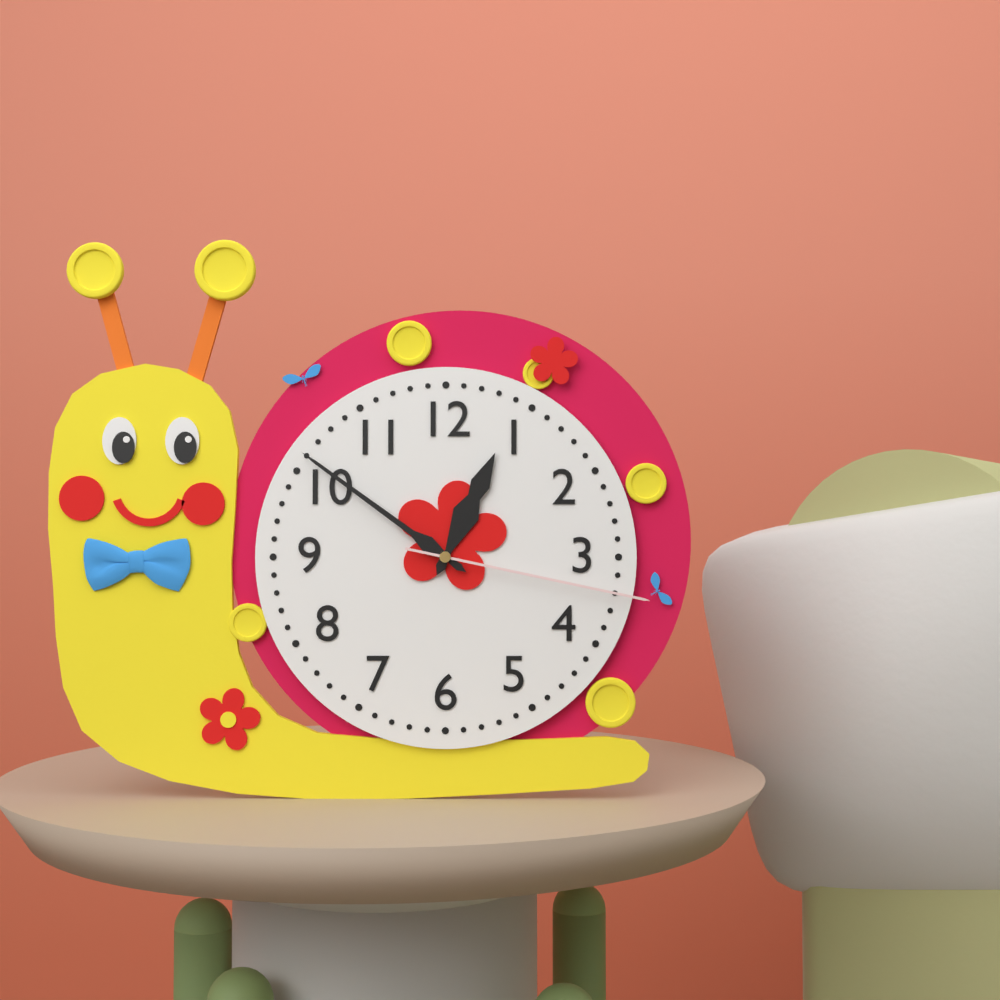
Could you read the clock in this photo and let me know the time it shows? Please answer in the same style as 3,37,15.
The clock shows 12,51,17
